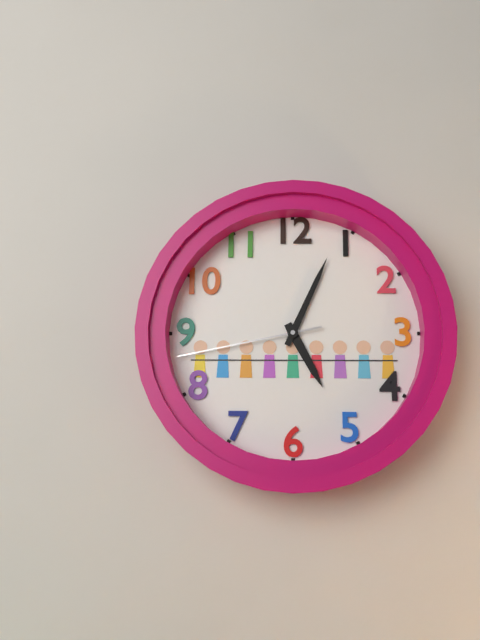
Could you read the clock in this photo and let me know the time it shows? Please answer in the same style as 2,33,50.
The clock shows 5,04,43
